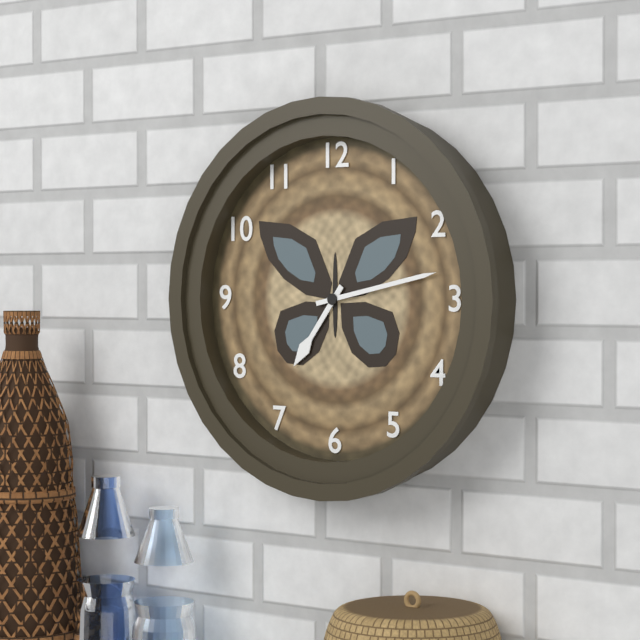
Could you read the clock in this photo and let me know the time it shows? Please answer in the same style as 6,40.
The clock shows 7,13
